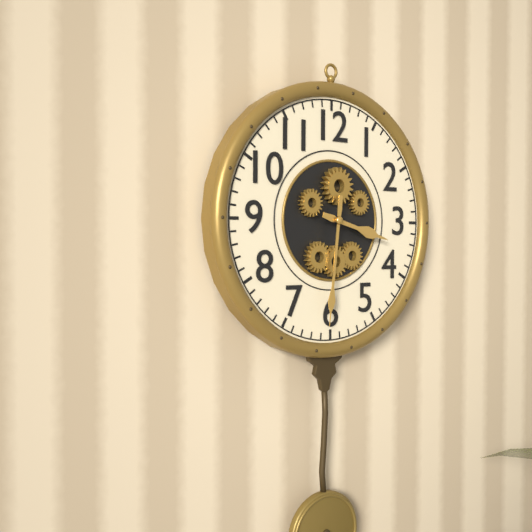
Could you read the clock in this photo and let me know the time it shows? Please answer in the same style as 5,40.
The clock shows 3,31
